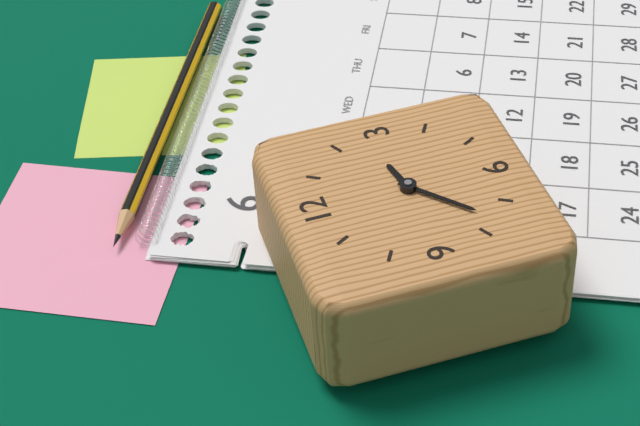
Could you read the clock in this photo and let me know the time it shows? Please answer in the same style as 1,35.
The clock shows 2,38
